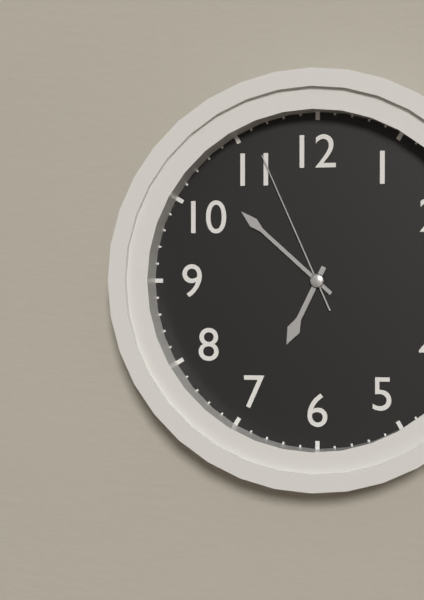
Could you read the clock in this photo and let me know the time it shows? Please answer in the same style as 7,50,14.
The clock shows 6,52,56
